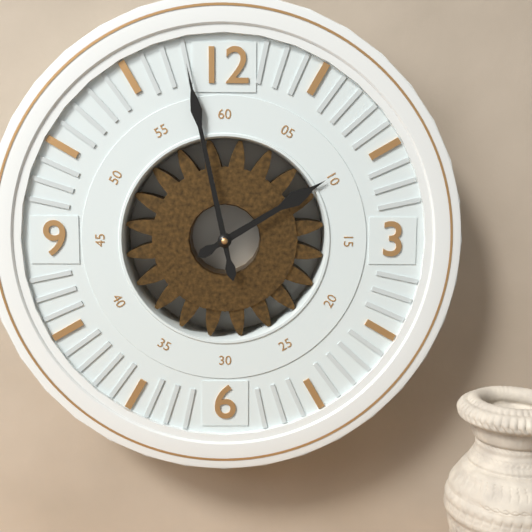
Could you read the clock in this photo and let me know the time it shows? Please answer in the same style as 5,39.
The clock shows 1,58
